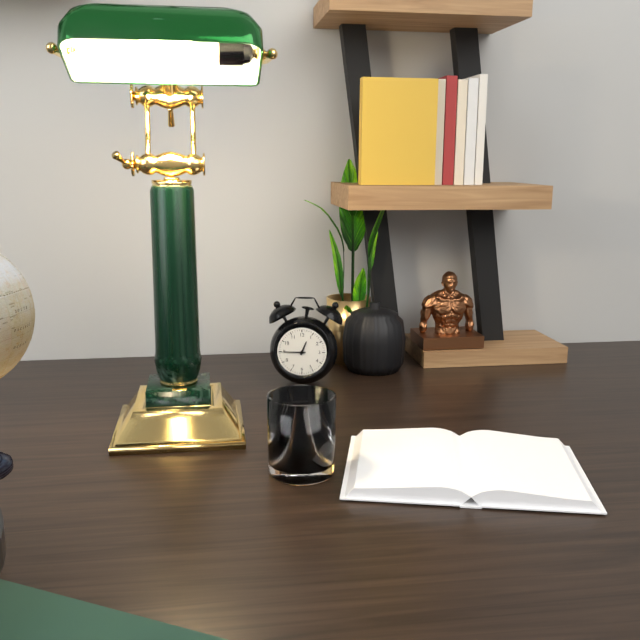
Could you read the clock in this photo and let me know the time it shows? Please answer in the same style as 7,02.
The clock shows 12,45
